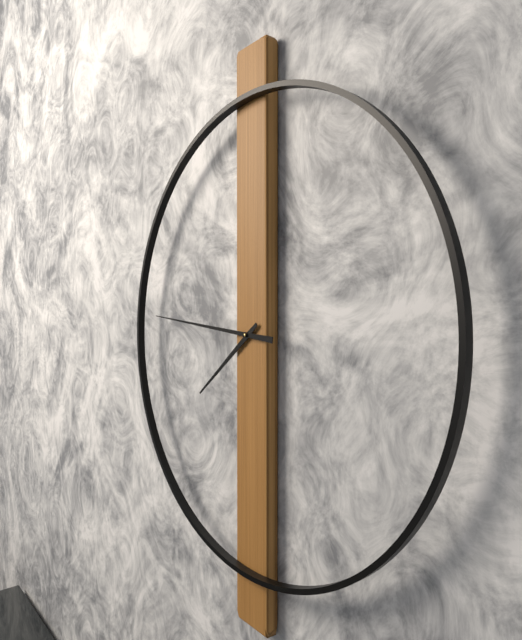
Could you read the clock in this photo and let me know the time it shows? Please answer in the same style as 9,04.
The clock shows 7,46
